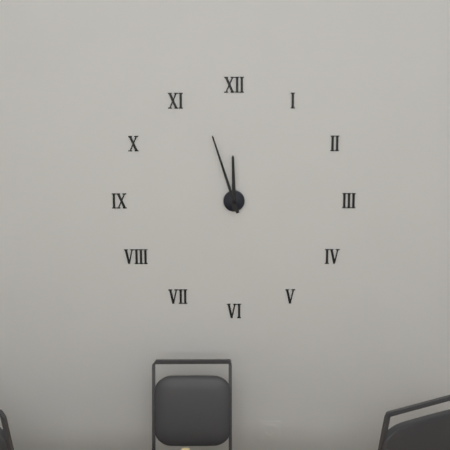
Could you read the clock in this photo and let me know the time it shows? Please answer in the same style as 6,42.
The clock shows 11,57
